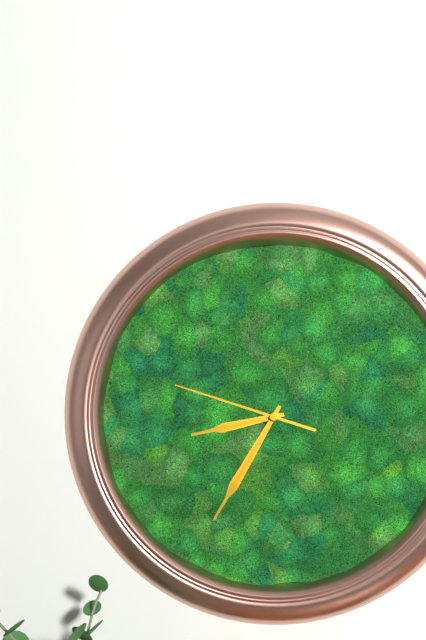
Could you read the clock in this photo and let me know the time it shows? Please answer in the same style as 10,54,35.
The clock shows 8,35,48
